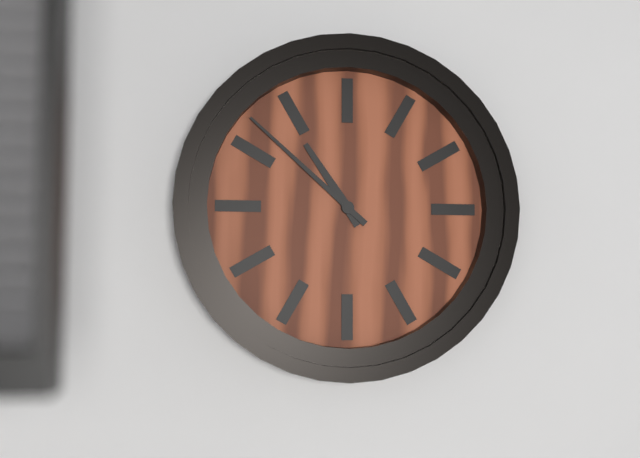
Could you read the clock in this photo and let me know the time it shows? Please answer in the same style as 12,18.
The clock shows 10,52
